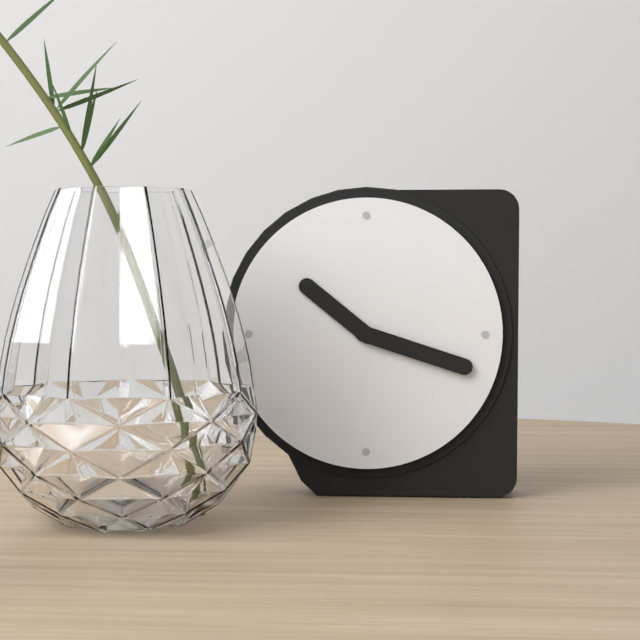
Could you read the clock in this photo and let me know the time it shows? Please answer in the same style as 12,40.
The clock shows 10,18
